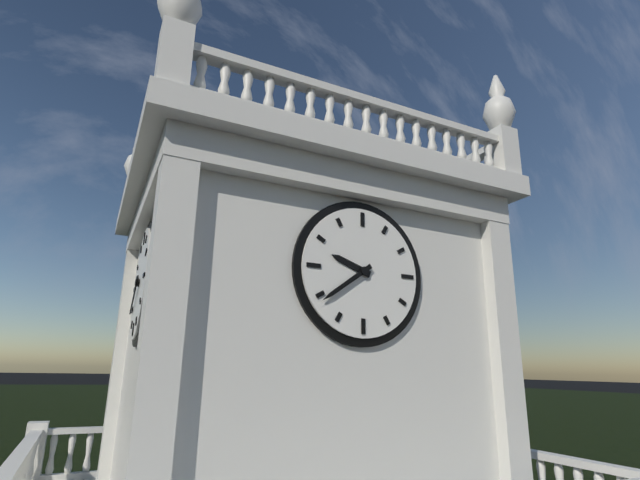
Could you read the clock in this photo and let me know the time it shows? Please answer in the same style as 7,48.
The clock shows 9,39
